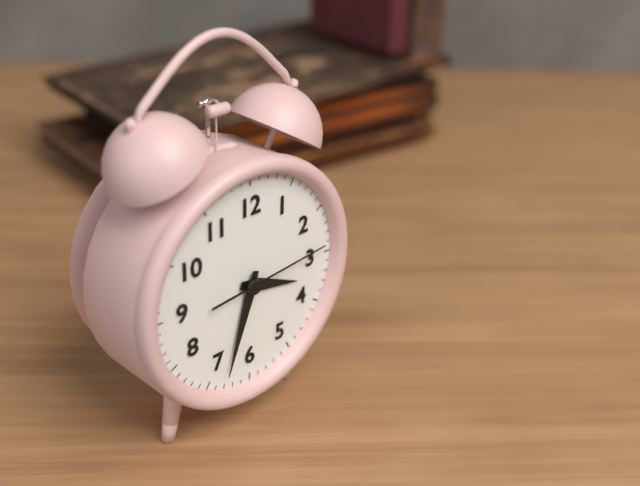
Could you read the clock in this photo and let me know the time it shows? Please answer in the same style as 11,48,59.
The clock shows 3,33,14
